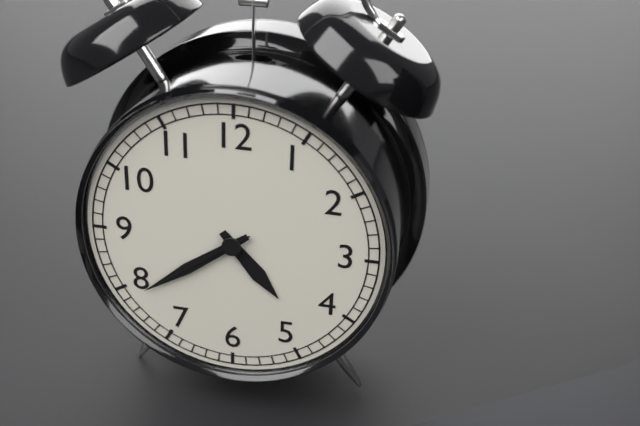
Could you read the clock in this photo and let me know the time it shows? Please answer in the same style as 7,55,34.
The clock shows 4,39,39
